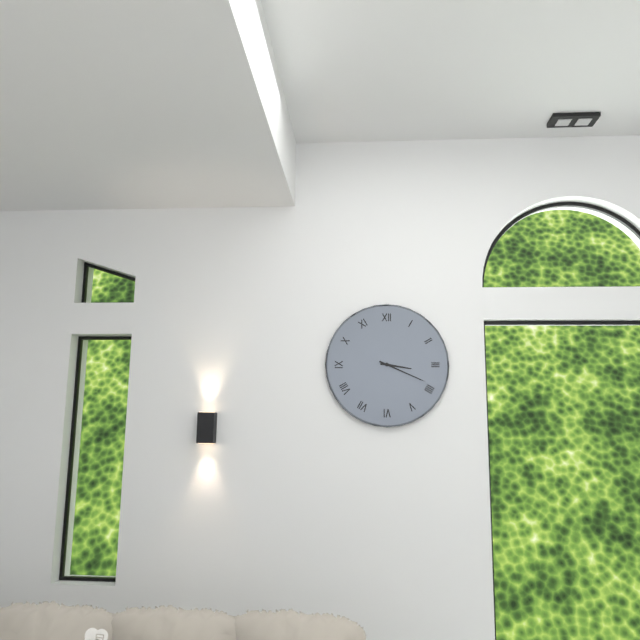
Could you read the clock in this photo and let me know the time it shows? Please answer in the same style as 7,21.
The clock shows 3,19
